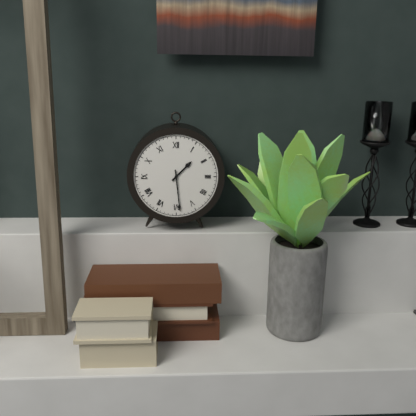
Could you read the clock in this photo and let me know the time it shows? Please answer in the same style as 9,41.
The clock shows 1,29
